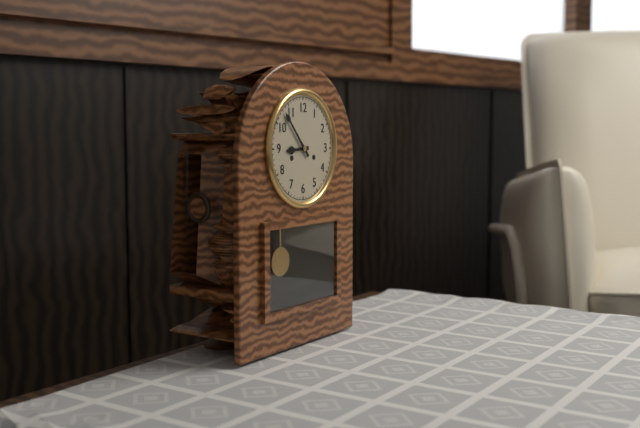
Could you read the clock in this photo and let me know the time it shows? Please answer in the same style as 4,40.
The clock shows 8,53
